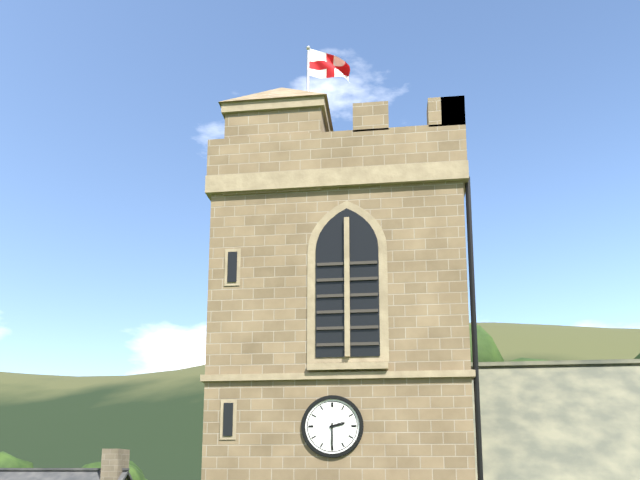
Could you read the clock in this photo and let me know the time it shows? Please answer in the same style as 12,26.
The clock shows 2,30
